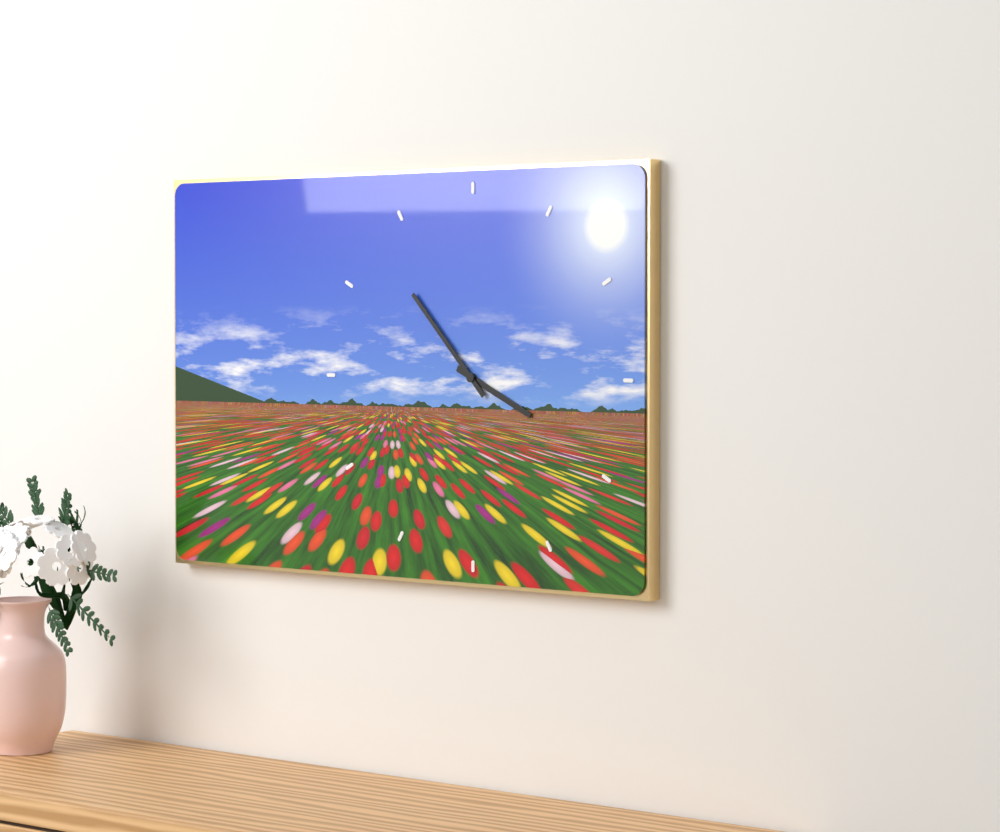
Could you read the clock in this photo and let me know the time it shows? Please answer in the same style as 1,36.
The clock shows 3,53
